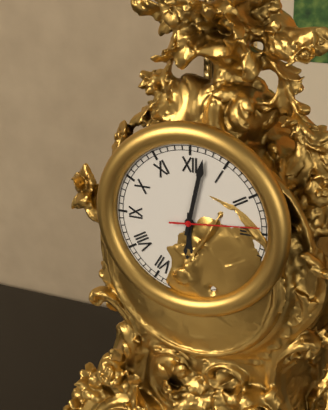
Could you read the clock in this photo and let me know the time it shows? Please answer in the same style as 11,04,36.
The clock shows 6,02,14
